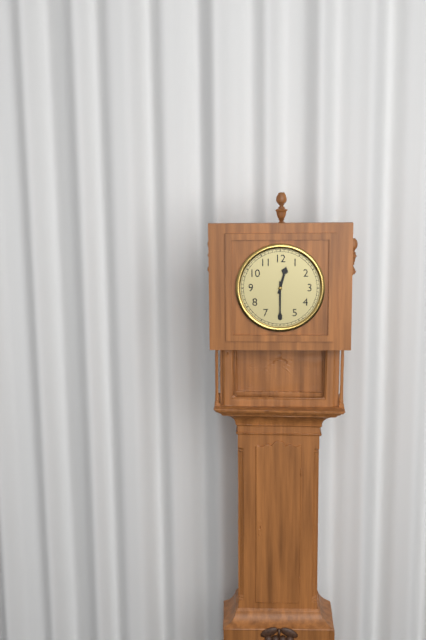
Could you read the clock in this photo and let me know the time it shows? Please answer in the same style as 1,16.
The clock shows 12,30
